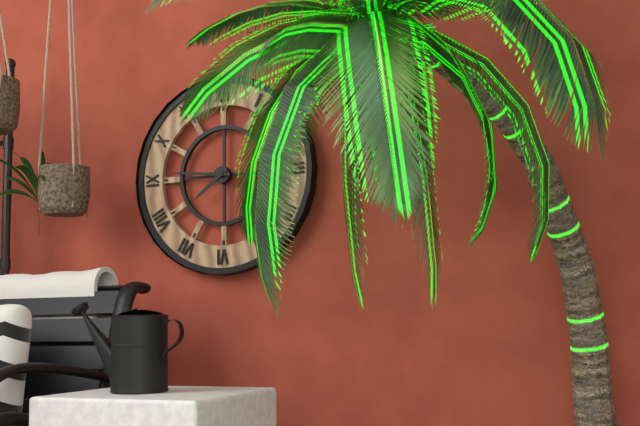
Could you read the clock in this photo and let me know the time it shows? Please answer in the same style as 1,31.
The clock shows 7,46
